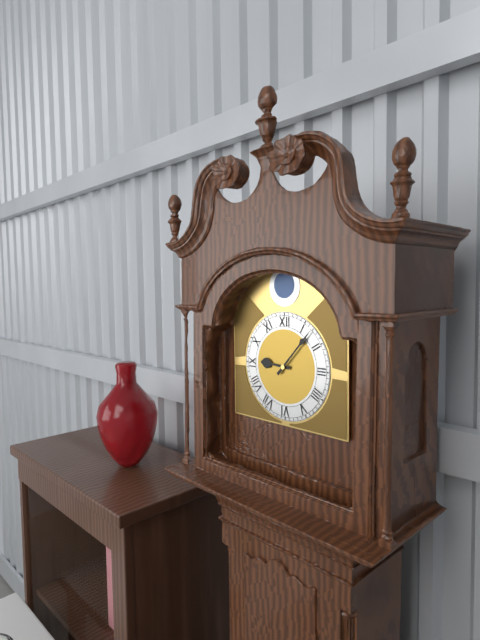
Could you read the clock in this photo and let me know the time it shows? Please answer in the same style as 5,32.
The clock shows 9,07
